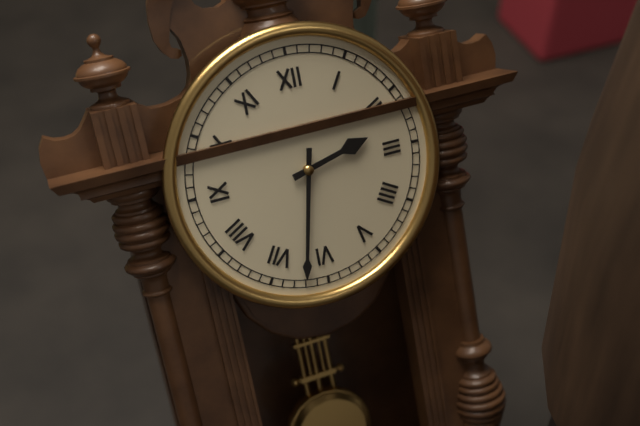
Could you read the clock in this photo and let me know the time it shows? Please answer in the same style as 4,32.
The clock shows 2,32
